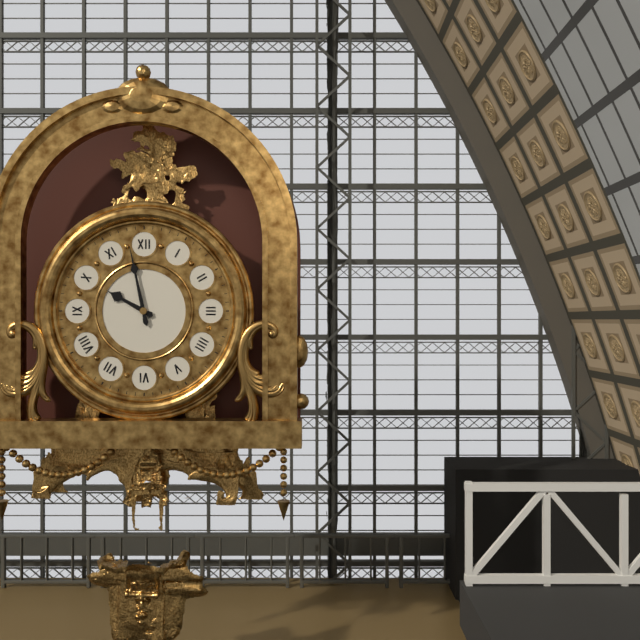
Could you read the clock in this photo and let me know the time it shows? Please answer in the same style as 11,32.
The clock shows 9,58
